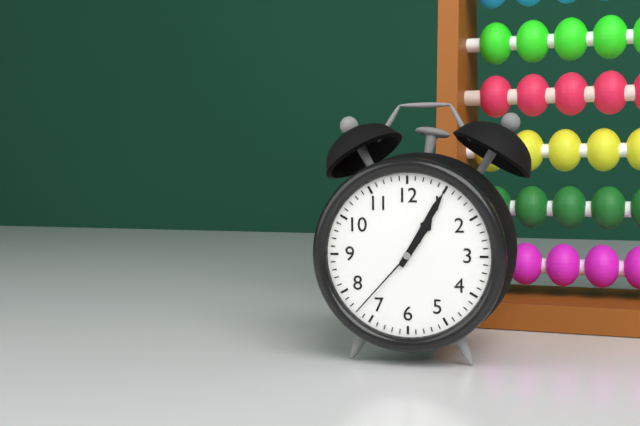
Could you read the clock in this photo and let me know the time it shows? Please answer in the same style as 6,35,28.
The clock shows 1,05,37
